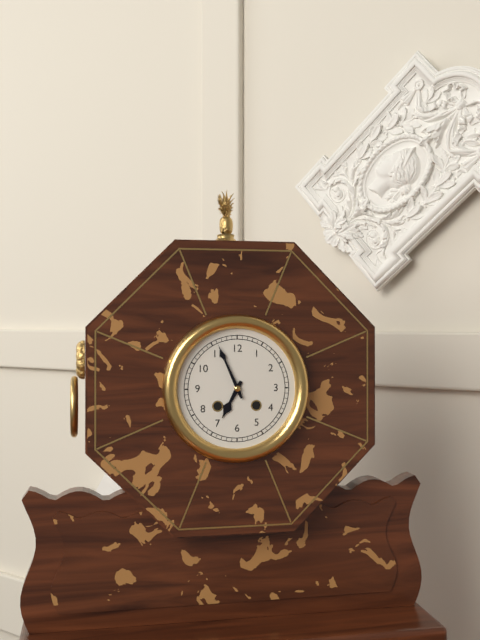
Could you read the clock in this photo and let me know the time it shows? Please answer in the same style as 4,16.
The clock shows 6,56
